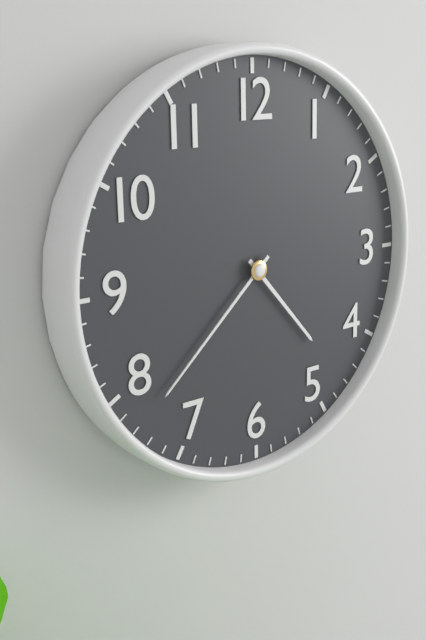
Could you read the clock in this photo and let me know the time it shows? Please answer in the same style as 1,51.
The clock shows 4,38
